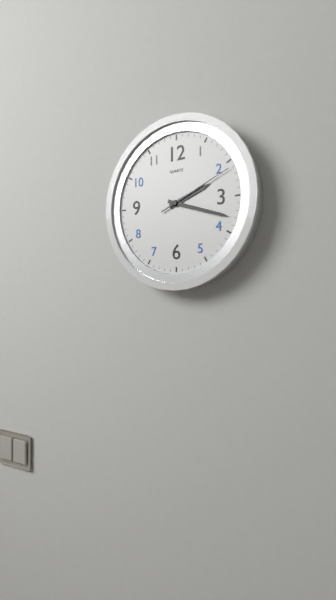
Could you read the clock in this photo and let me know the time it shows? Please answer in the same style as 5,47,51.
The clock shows 2,18,11
